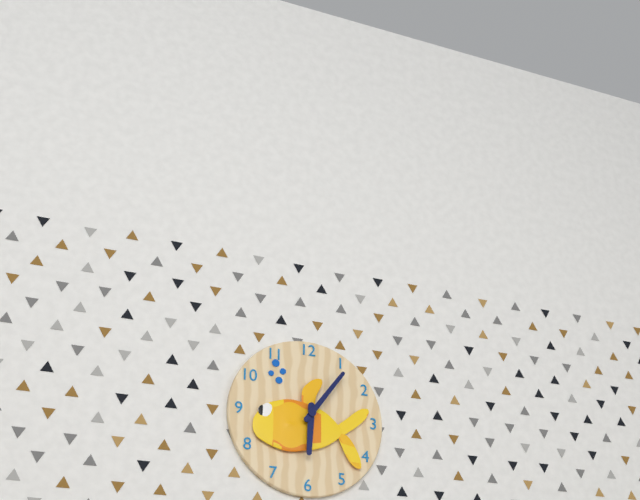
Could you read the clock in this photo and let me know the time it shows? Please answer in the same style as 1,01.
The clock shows 6,06
